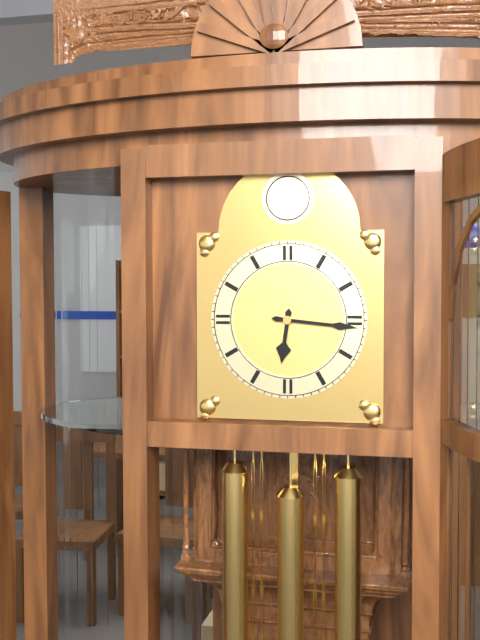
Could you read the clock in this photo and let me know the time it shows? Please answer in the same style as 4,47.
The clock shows 6,16
